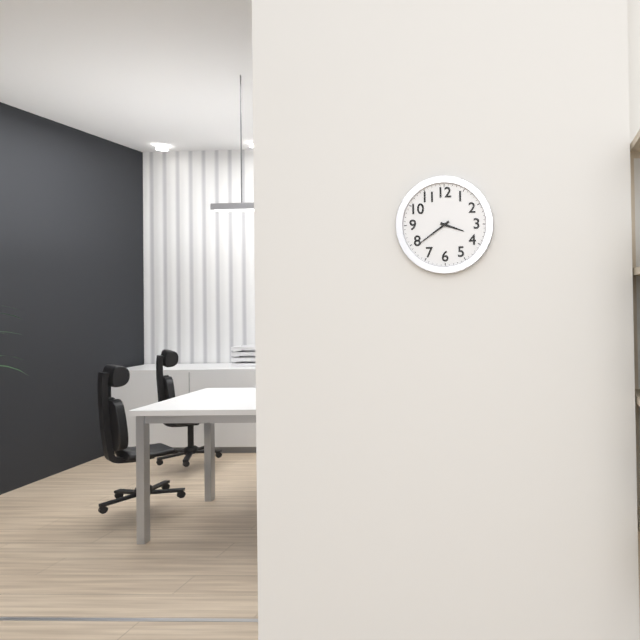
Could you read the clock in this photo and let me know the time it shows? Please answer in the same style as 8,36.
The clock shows 3,39
